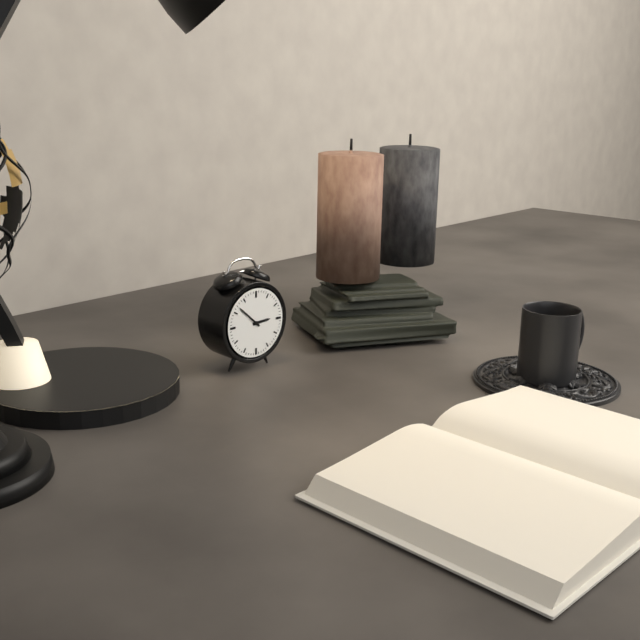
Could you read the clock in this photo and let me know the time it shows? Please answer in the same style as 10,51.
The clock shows 2,52
